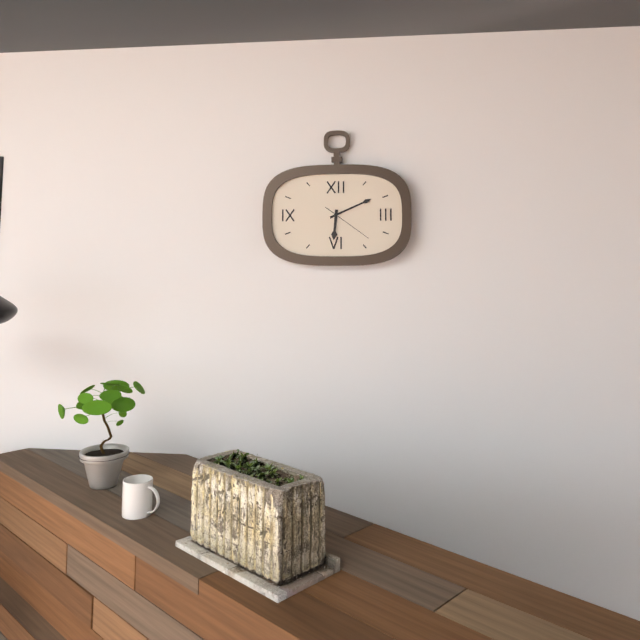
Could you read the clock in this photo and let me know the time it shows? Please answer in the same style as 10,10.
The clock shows 6,11
